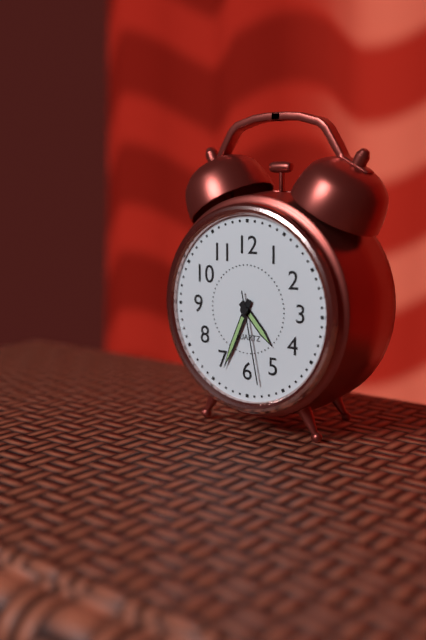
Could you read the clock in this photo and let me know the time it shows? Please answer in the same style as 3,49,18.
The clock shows 4,34,28
